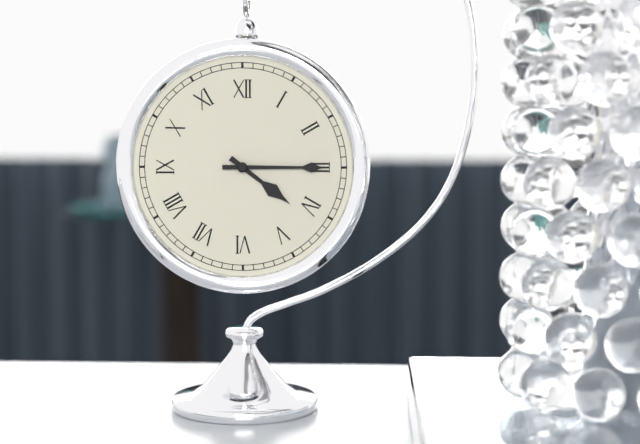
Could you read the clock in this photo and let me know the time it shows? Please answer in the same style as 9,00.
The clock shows 4,15
